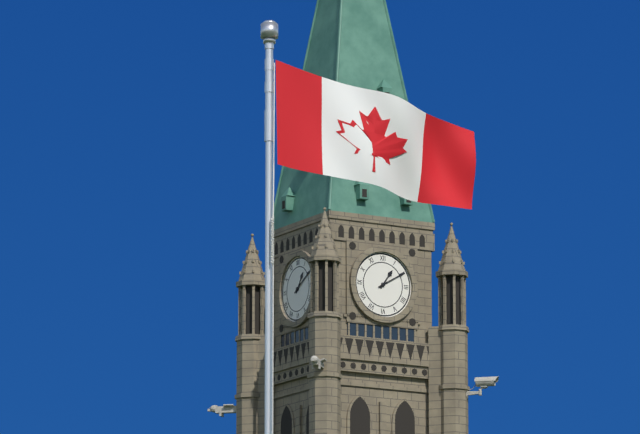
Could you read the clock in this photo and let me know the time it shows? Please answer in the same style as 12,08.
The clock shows 1,10
